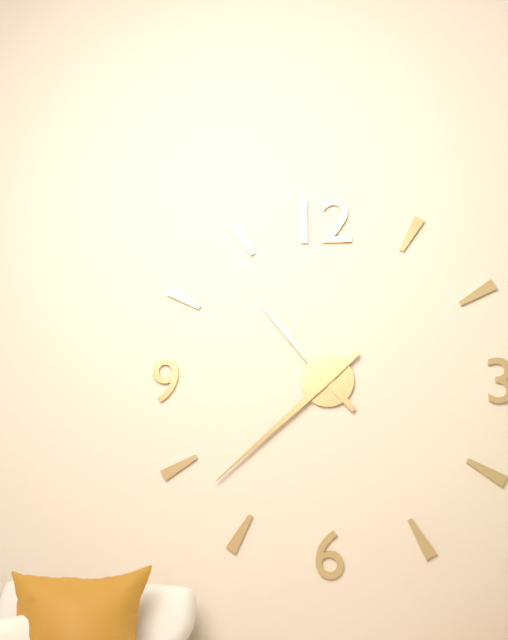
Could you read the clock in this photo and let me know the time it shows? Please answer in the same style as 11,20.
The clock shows 10,38
